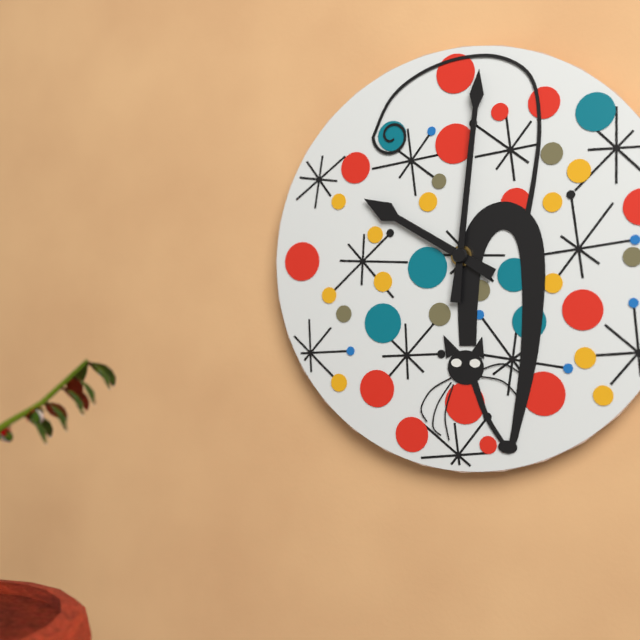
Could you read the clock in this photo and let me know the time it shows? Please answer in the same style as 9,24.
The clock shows 10,01
